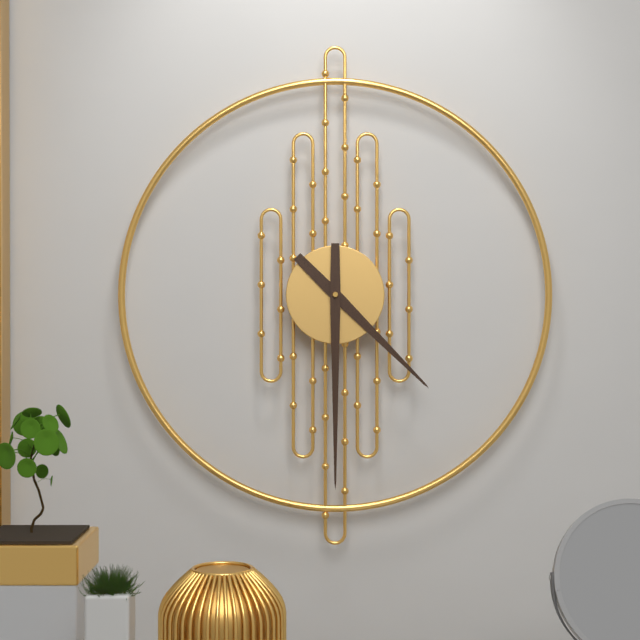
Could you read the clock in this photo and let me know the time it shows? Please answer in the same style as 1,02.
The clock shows 4,30
